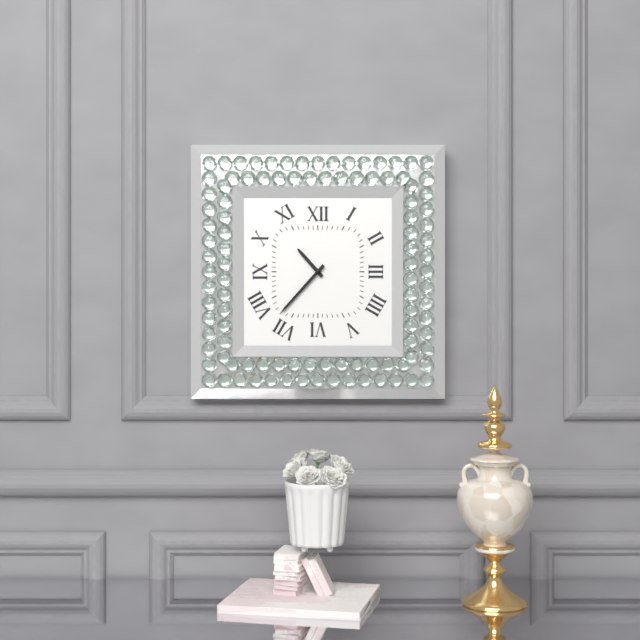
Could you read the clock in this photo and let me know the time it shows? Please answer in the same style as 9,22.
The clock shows 10,37
